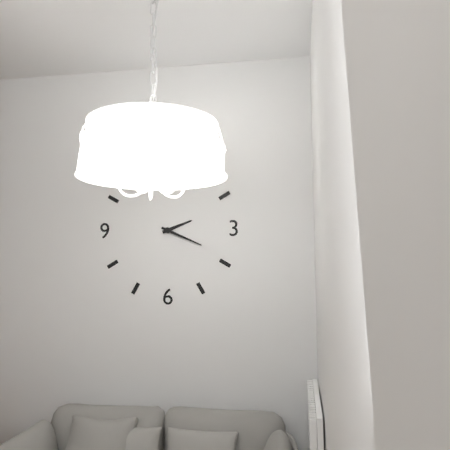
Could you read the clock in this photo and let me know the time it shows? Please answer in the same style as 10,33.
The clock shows 2,19
